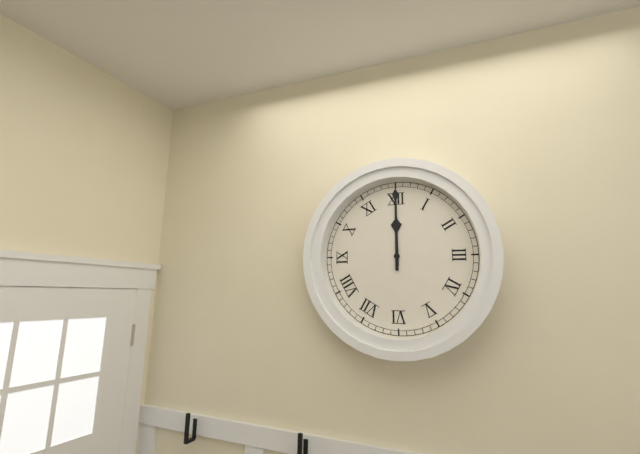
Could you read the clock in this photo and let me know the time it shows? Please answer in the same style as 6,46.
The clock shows 12,00
